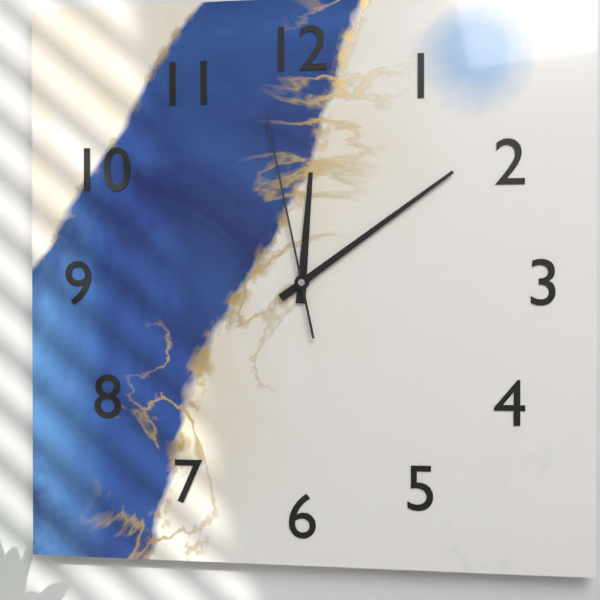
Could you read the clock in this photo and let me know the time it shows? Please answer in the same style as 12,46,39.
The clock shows 12,09,58
